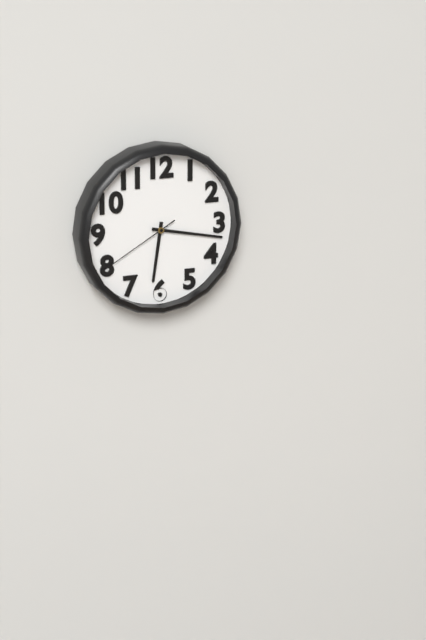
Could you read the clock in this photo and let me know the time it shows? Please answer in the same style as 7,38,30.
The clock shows 6,17,40
